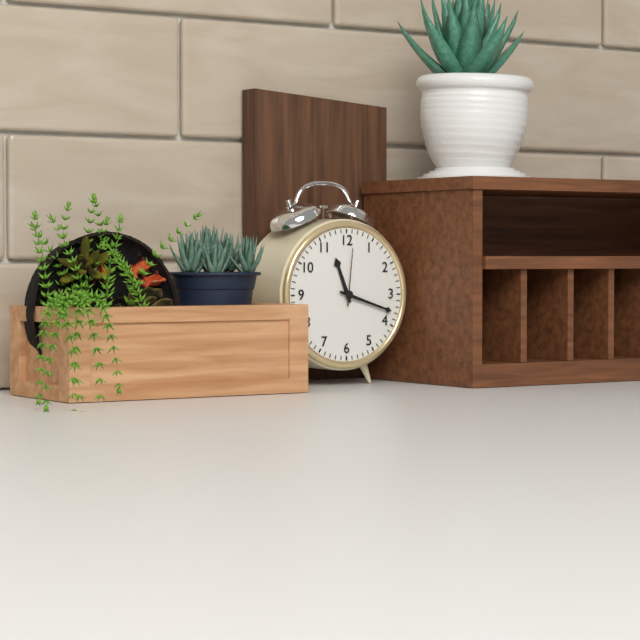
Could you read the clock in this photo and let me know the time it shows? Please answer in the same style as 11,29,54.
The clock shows 11,18,01
